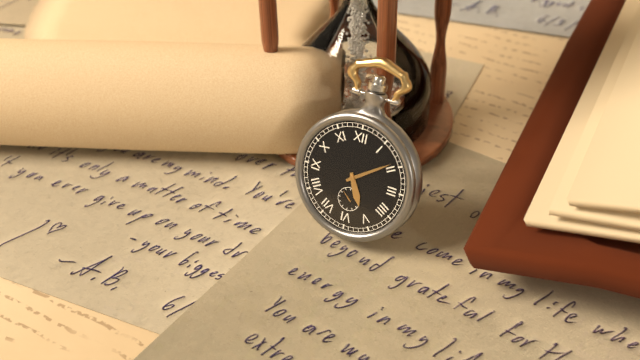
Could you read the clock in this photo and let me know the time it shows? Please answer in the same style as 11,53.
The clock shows 5,09
